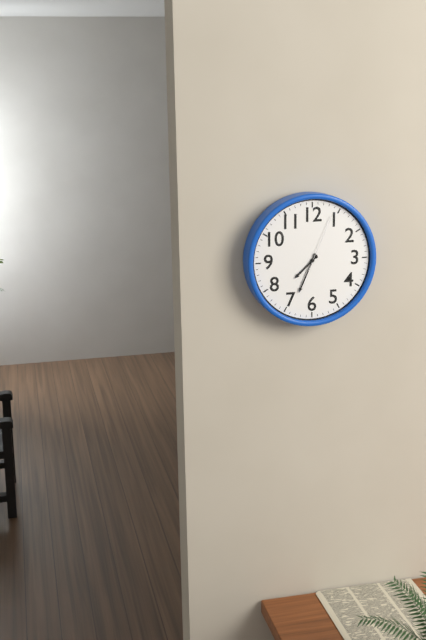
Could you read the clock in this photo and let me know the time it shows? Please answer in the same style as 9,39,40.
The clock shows 7,34,04
